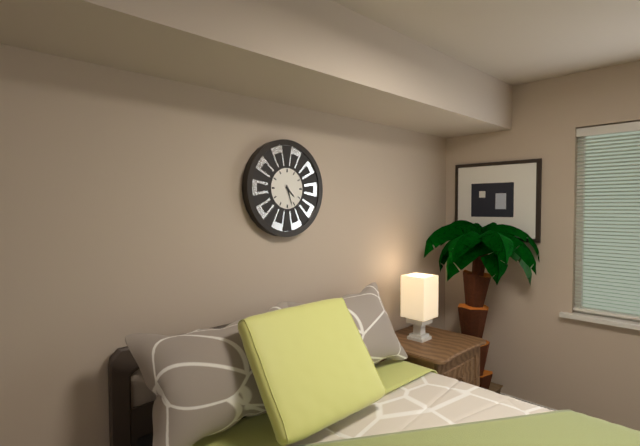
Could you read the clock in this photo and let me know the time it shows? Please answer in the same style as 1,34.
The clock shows 4,27
